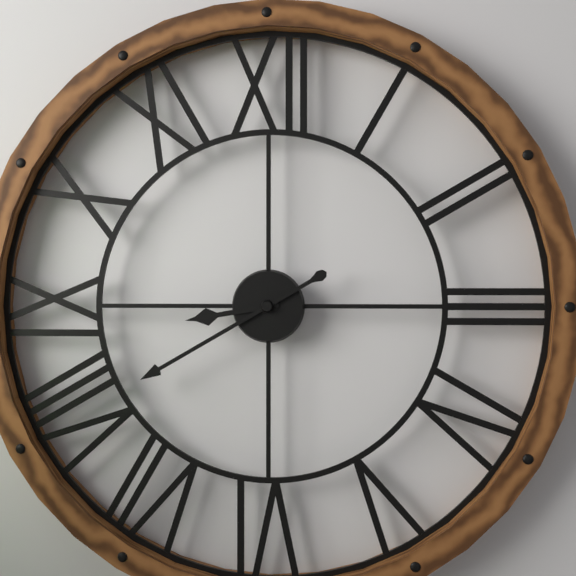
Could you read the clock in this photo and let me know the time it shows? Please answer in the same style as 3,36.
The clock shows 8,40
